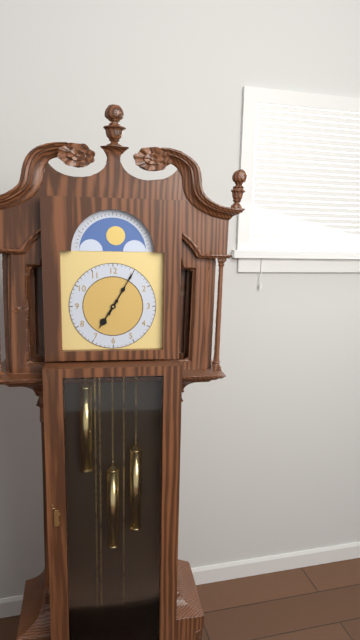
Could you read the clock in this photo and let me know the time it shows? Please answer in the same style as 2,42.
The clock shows 7,05
